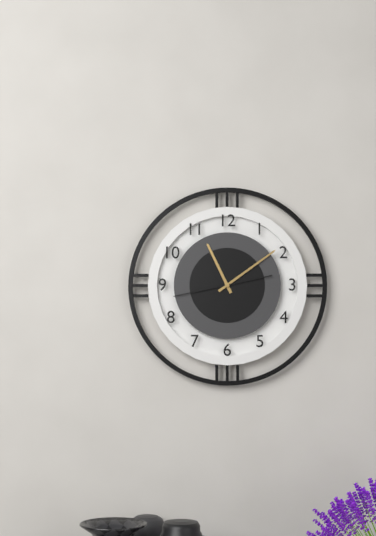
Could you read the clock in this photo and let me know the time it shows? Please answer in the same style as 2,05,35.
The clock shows 11,09,43
